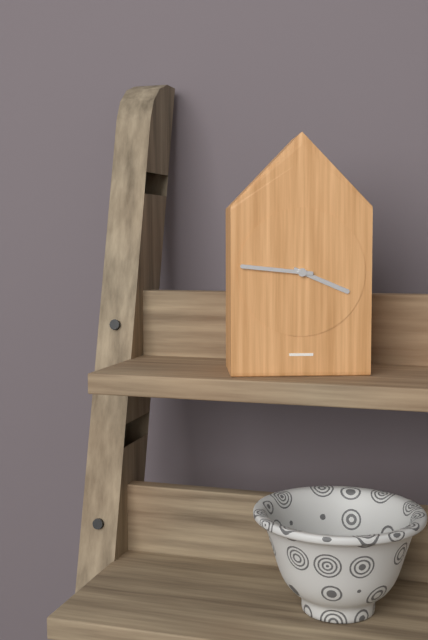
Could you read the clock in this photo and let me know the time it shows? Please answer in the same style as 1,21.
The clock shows 3,46
